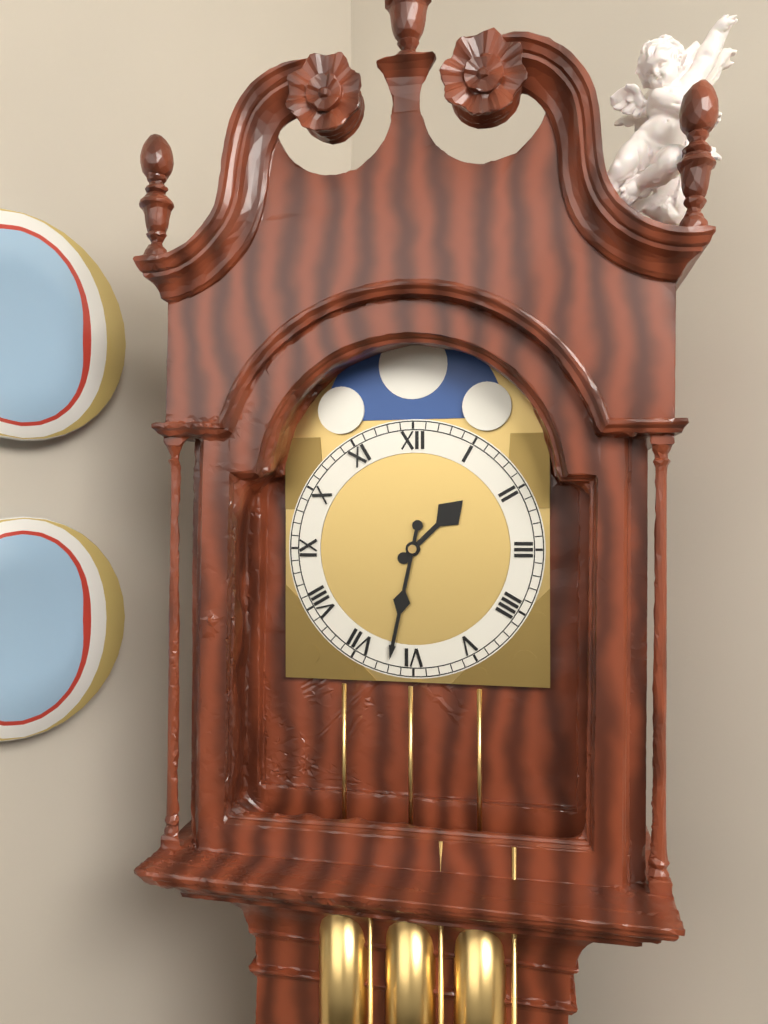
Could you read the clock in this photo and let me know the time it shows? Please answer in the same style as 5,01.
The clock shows 1,32
